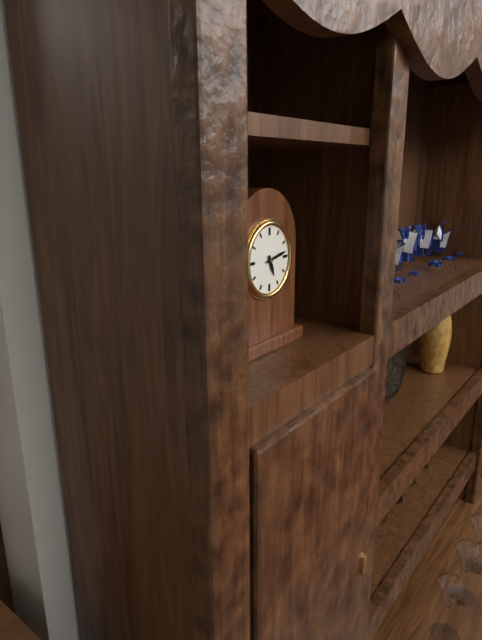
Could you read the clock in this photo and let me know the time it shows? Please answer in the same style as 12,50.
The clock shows 5,13
